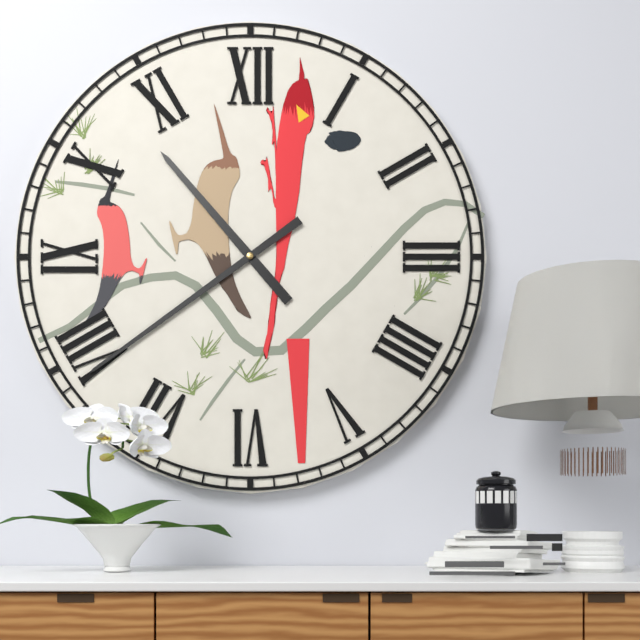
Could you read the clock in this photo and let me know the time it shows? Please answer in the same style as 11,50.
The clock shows 10,39
